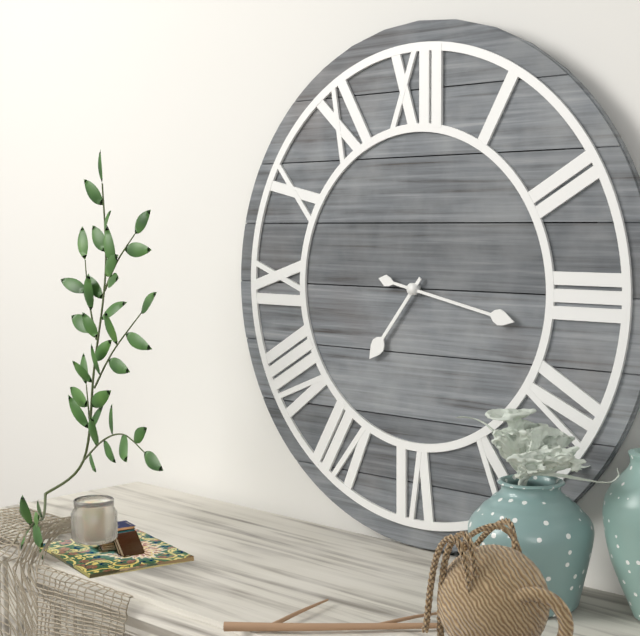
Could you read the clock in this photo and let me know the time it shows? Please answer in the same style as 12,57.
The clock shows 7,17
